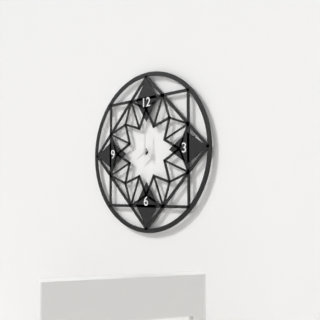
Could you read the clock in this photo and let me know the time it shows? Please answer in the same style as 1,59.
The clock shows 8,00
